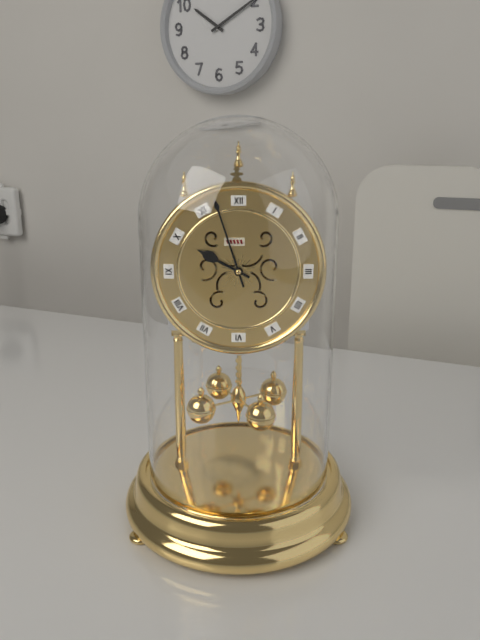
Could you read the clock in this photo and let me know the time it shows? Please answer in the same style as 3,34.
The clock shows 9,57
